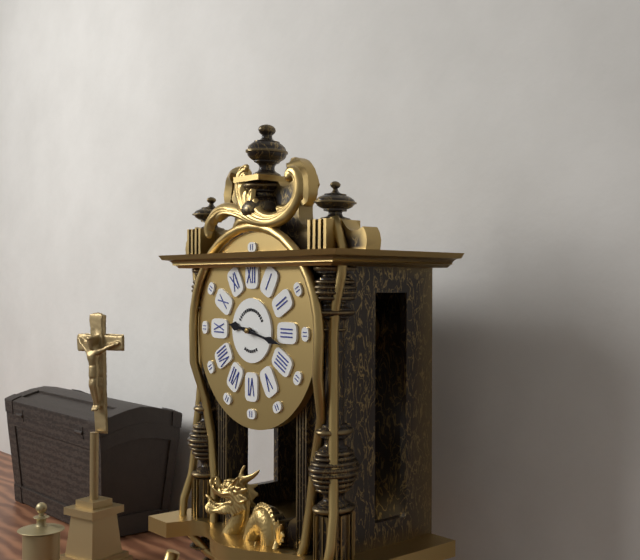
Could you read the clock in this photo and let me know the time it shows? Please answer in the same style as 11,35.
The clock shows 9,17
